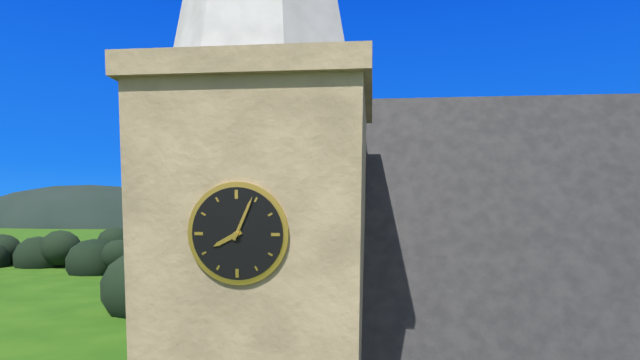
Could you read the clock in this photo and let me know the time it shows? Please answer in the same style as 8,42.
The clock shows 8,04
